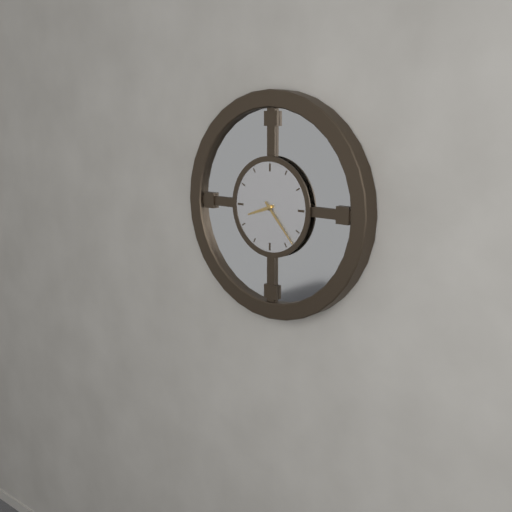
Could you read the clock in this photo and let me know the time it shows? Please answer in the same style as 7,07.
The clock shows 8,23
